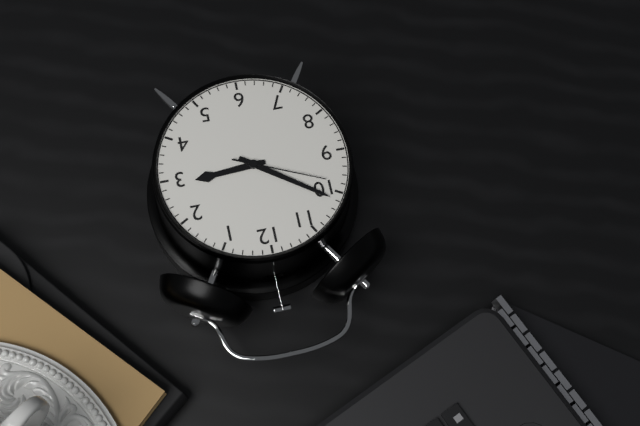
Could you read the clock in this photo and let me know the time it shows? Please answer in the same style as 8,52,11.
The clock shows 2,51,49
